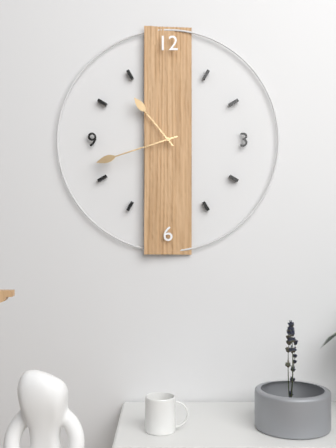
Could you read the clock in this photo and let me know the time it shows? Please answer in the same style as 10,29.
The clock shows 10,42
